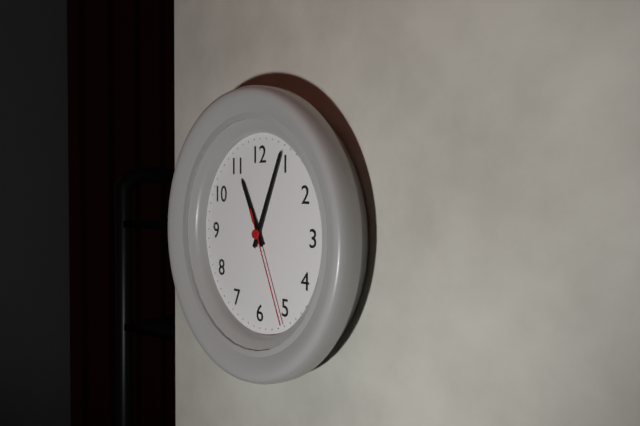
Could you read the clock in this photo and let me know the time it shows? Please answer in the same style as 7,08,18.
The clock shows 11,04,26
